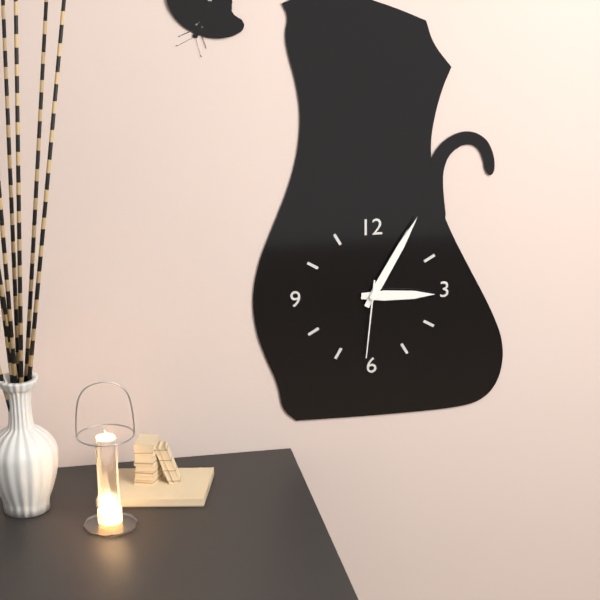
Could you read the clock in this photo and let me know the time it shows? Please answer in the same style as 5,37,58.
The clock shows 3,05,31
